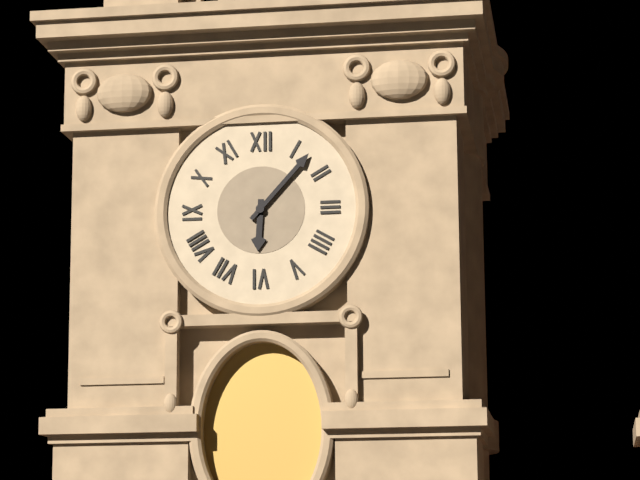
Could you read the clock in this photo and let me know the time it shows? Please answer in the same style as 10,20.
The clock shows 6,07
